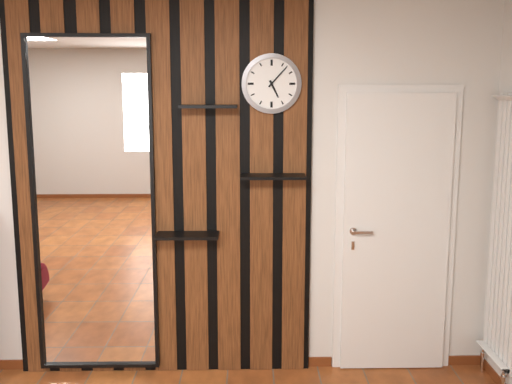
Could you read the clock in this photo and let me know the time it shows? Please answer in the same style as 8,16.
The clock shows 5,07
